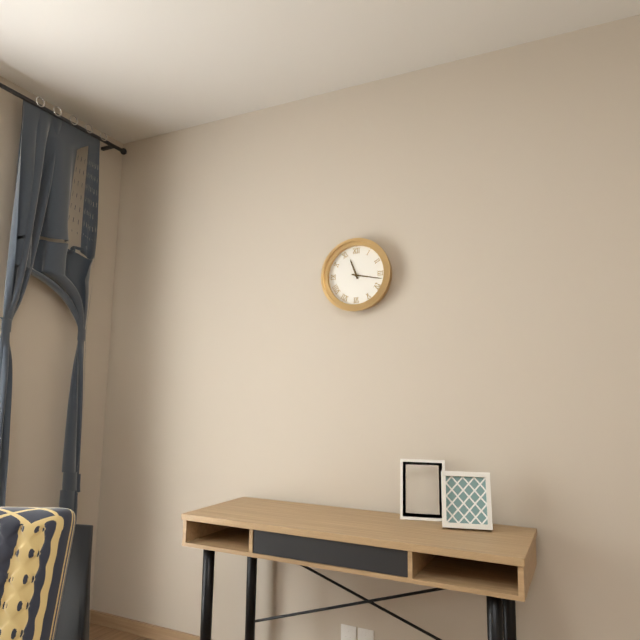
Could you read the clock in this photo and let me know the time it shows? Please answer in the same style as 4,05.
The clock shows 11,17
